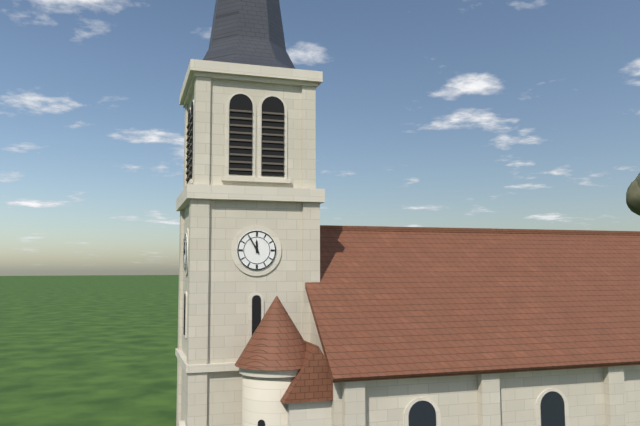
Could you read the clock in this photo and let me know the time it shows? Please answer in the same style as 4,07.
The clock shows 11,55
